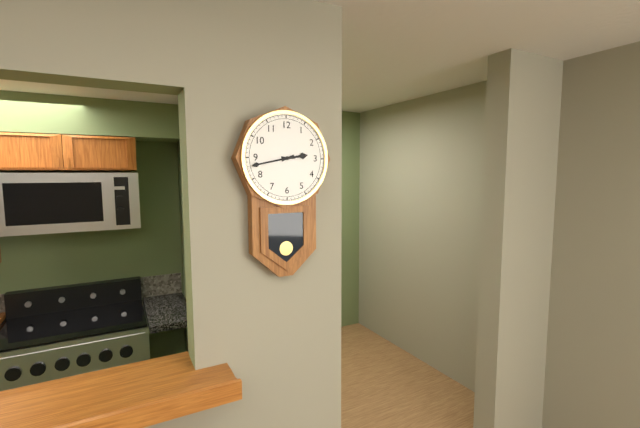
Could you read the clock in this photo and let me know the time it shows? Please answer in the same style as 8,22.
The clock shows 2,43
